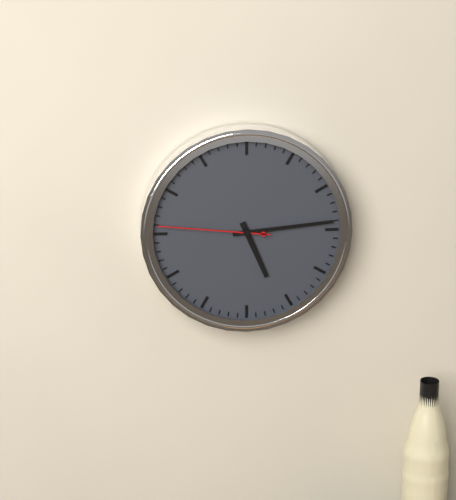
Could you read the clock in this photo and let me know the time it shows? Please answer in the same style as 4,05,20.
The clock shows 5,14,46
